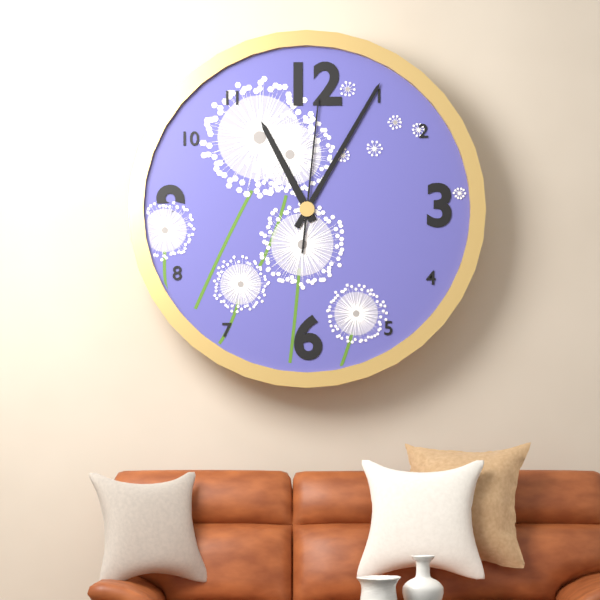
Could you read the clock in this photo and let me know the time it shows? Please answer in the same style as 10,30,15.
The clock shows 11,05,01
